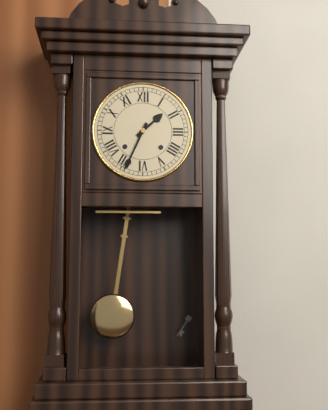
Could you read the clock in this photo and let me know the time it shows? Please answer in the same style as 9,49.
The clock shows 1,34
